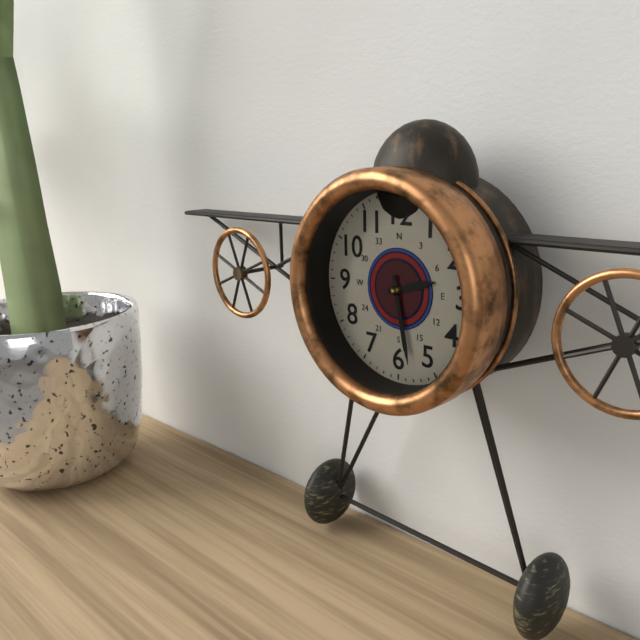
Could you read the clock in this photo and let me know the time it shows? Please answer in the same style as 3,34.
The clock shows 2,28
